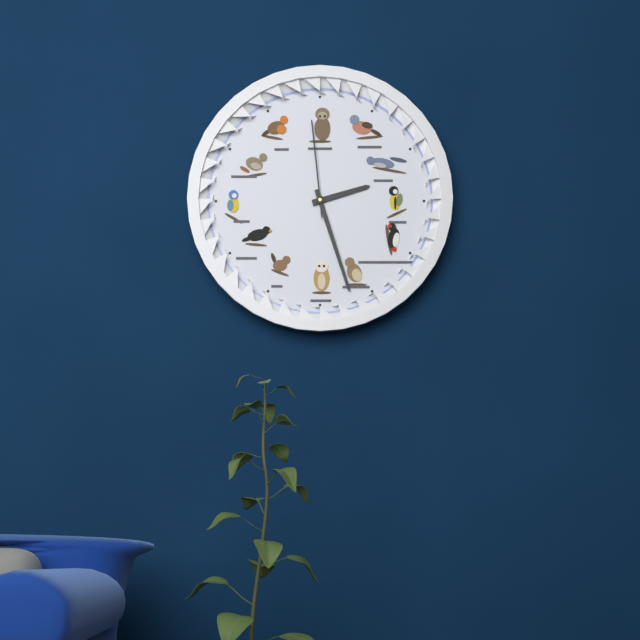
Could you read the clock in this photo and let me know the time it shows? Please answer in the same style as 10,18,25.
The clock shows 2,27,59
